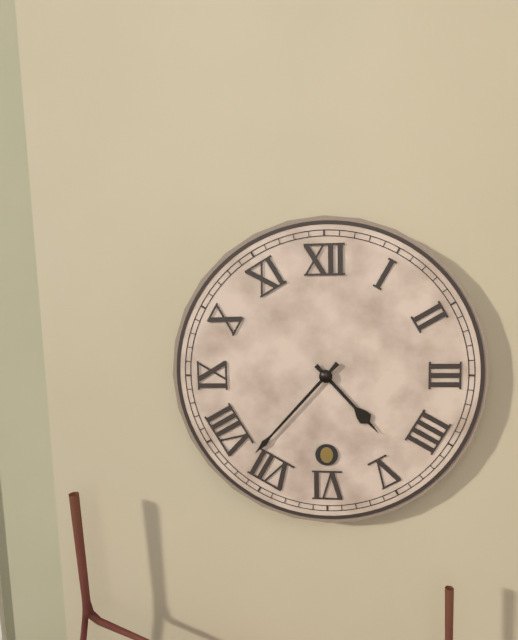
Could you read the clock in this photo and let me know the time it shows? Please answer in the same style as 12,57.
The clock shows 4,37
